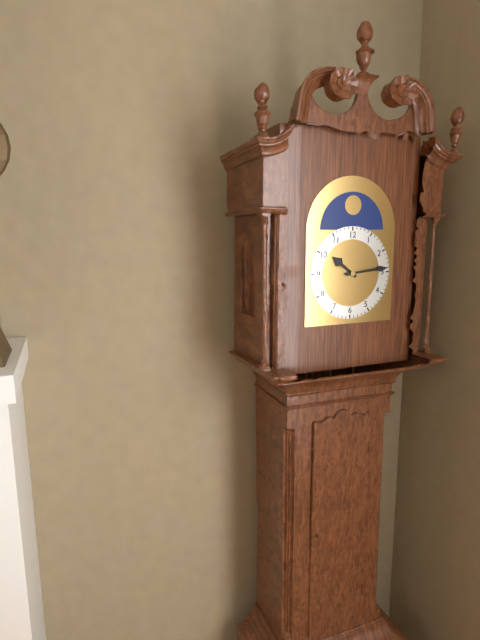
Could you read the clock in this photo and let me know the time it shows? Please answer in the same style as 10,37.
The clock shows 10,14
